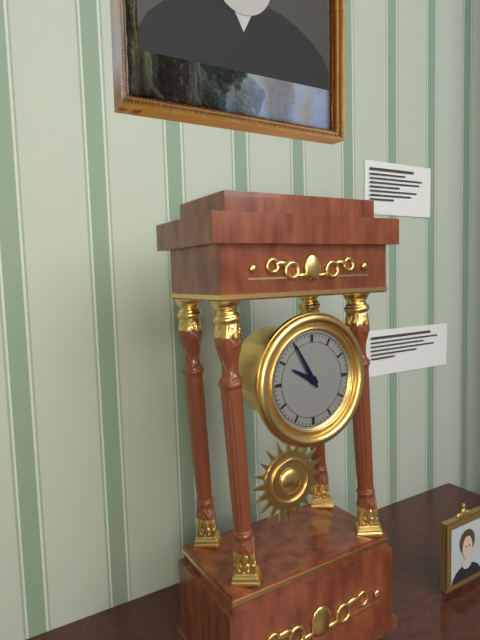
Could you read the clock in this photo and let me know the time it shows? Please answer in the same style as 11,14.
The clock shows 9,55
